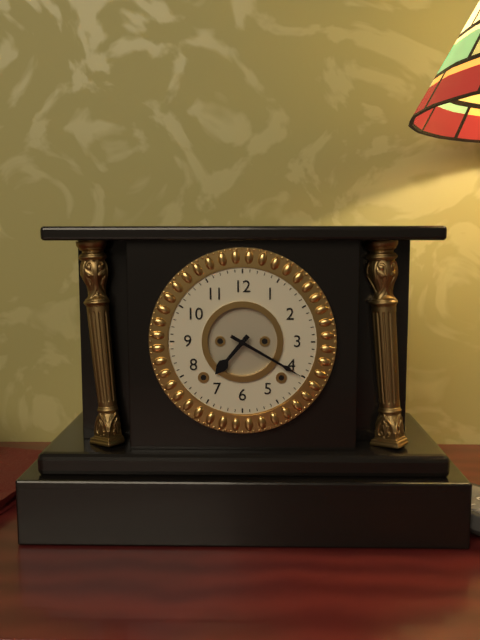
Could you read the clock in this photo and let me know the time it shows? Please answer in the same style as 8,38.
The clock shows 7,20
